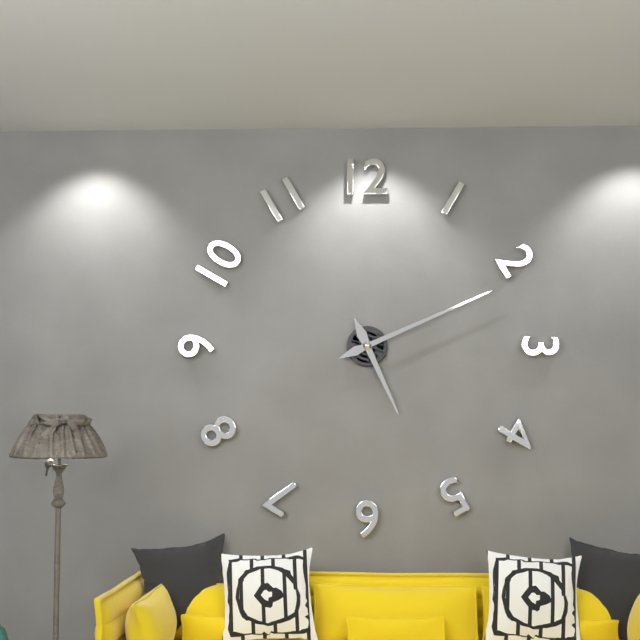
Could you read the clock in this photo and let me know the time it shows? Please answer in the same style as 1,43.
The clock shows 5,11
